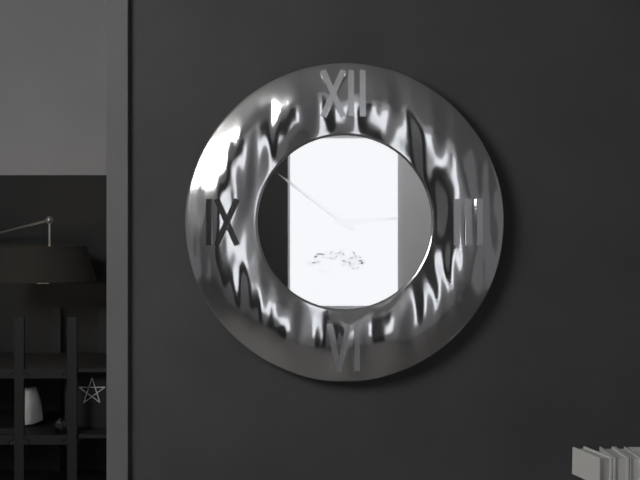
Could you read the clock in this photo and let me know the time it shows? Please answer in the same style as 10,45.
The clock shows 2,51
